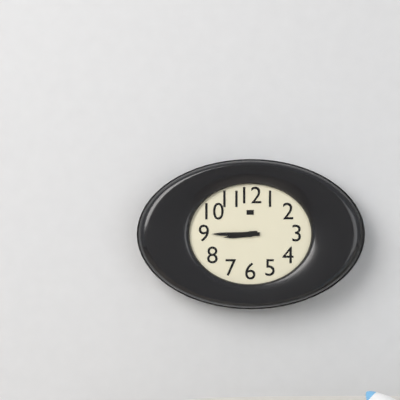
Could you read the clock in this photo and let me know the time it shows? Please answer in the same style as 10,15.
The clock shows 8,45
